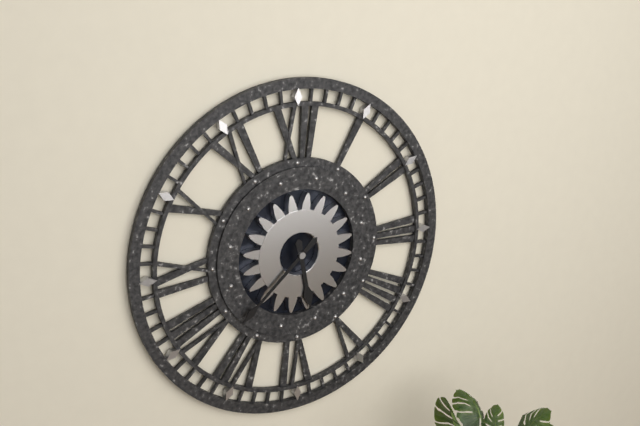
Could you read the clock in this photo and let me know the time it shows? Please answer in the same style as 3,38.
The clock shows 5,38
